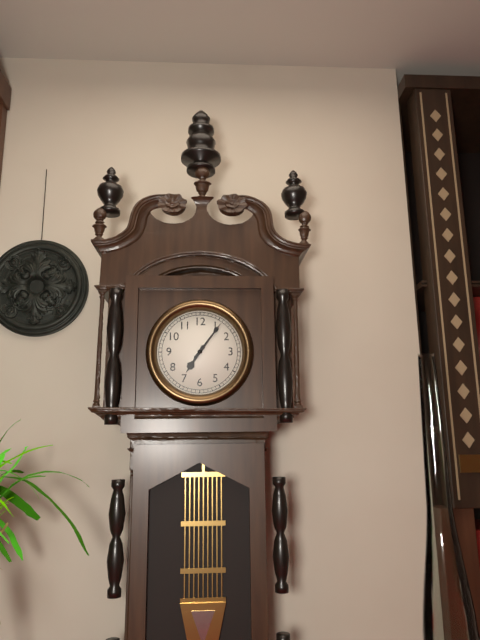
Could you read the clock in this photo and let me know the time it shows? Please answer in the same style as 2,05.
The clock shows 7,06
